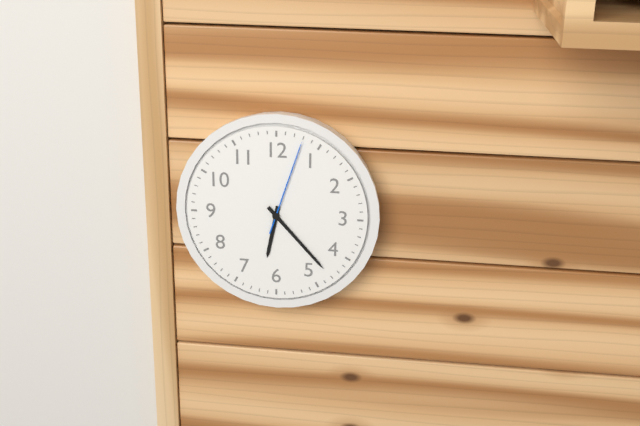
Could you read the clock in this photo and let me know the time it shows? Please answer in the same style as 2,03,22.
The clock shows 6,23,03
